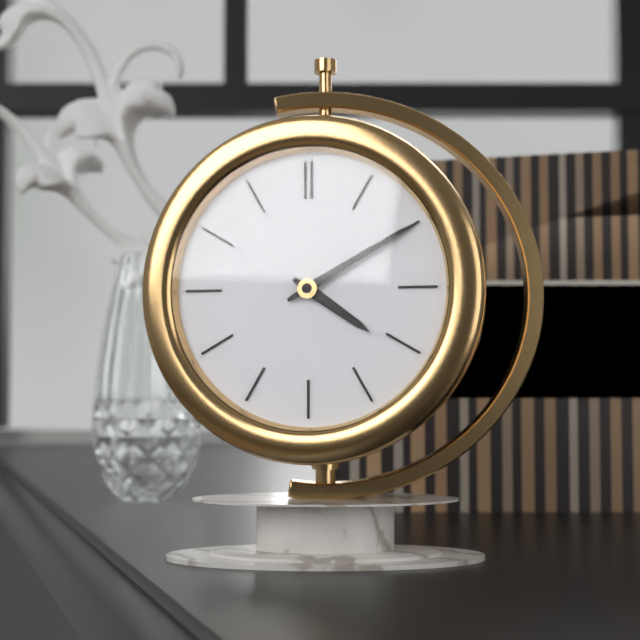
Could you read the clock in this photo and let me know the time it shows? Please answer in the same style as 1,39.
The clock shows 4,10
